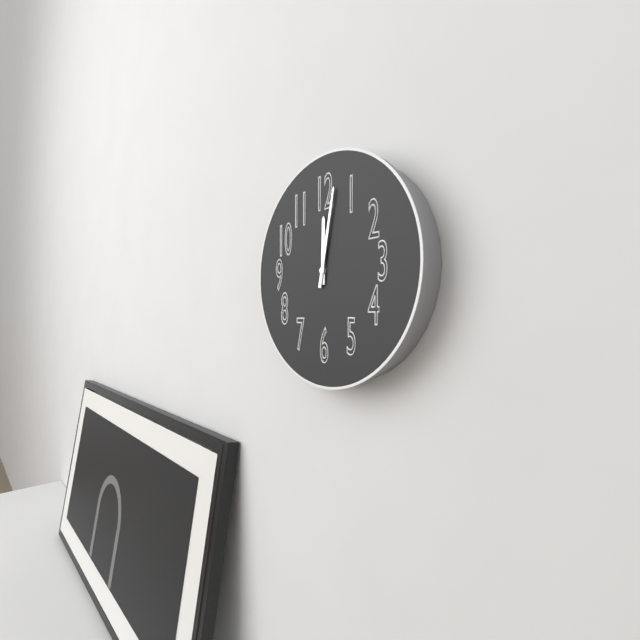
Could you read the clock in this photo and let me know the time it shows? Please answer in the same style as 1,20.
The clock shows 12,02
